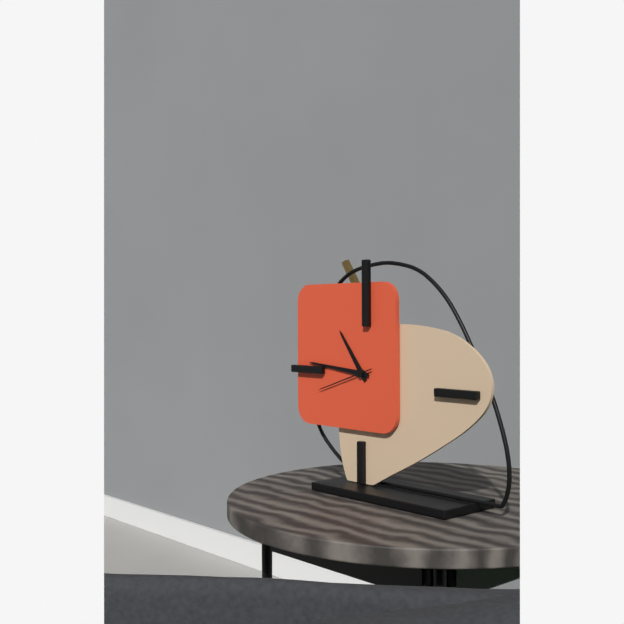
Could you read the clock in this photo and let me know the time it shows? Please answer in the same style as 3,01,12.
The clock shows 10,46,42
